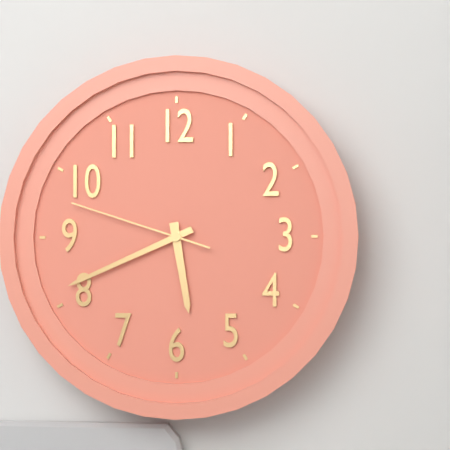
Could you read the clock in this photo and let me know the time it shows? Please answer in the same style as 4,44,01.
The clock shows 5,41,48
